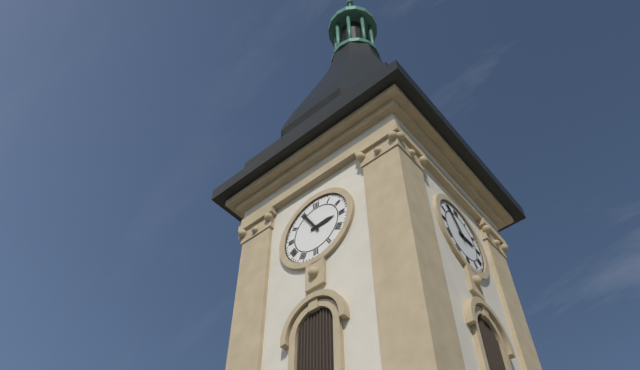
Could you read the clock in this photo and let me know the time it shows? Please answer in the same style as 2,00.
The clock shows 2,55
